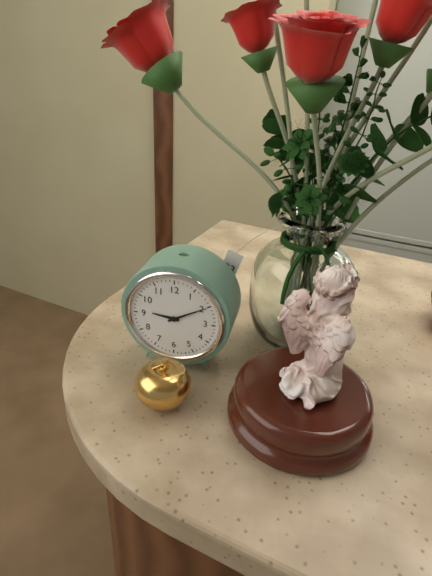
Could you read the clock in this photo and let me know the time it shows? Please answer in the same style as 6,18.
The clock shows 9,10
